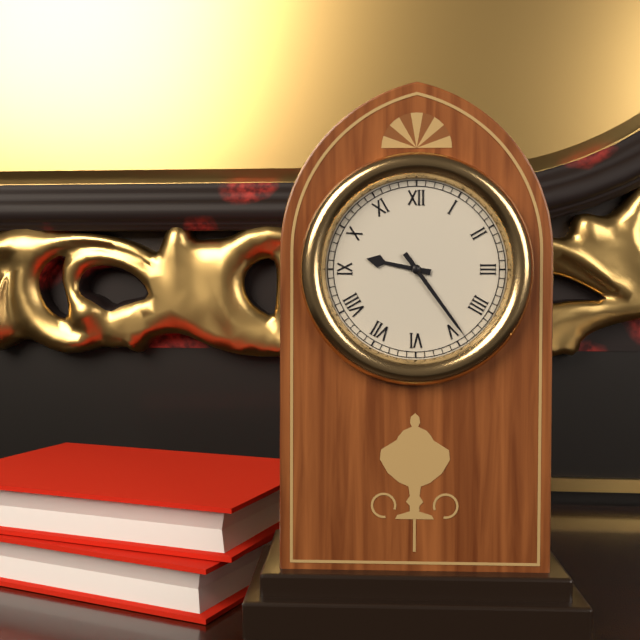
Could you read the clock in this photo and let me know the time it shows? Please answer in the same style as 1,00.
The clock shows 9,24
